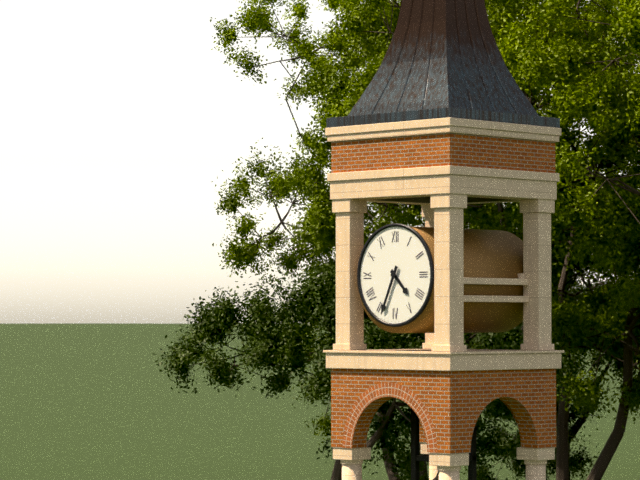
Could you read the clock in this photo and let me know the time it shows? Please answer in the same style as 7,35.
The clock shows 4,34
